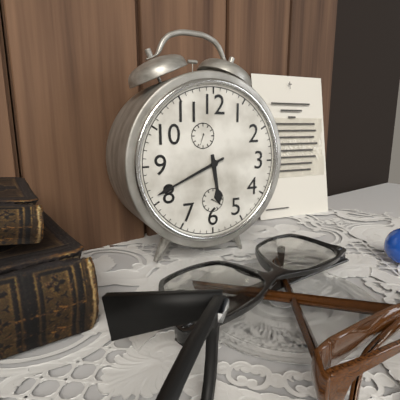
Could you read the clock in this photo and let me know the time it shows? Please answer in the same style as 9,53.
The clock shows 5,41
